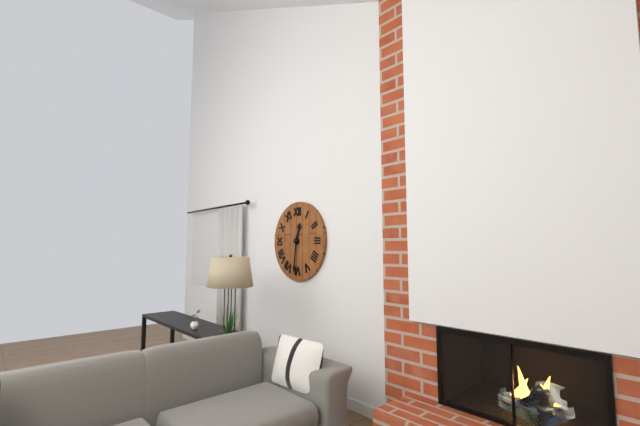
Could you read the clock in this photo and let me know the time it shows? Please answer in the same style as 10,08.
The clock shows 12,31
